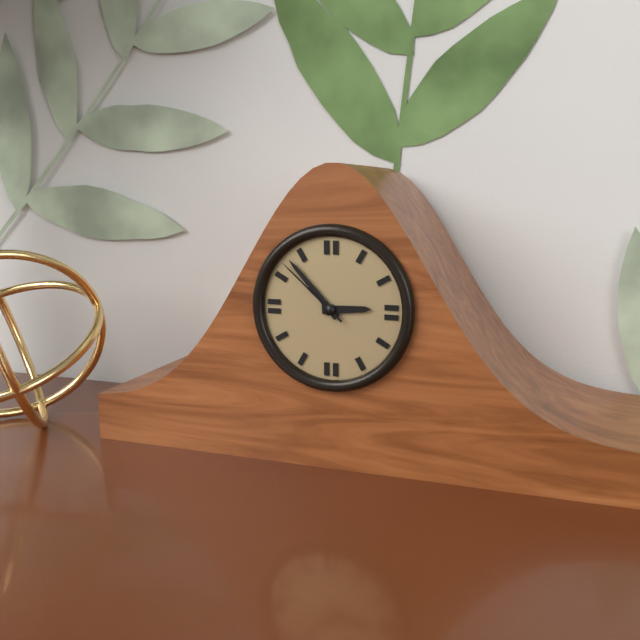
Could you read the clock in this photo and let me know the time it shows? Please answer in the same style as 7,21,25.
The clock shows 2,53,52
